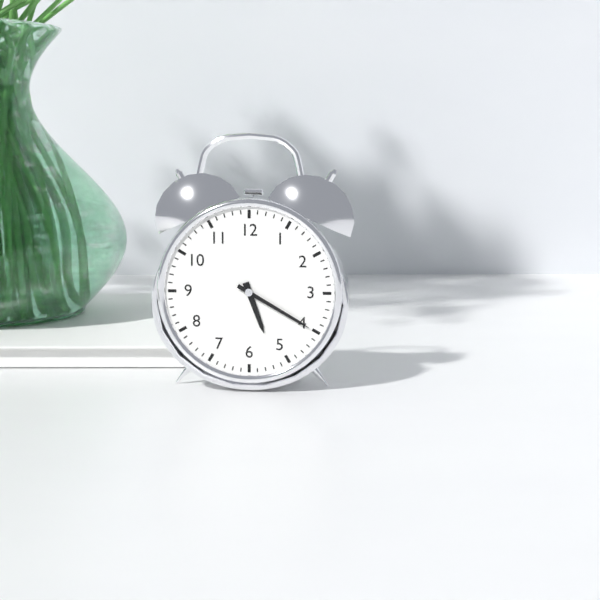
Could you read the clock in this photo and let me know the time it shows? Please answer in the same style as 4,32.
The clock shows 5,20
